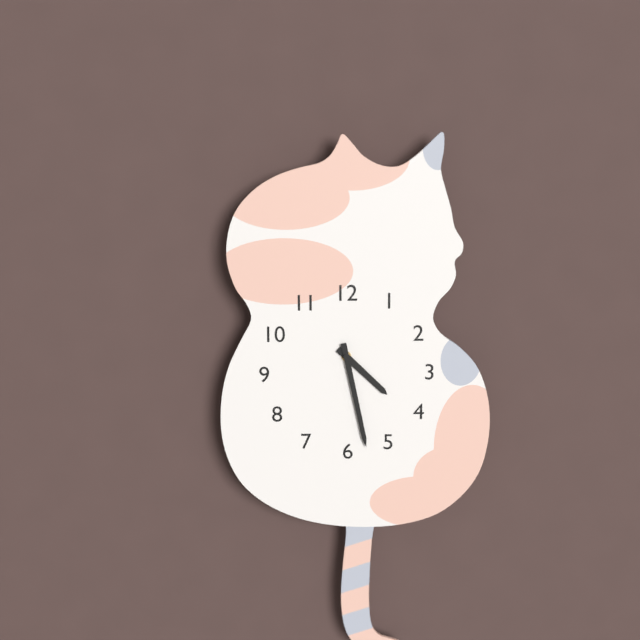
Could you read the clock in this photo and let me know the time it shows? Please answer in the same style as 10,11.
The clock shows 4,28
